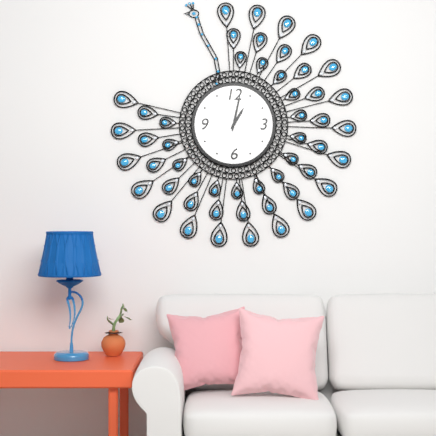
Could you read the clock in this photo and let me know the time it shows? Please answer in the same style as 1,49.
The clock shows 1,02
